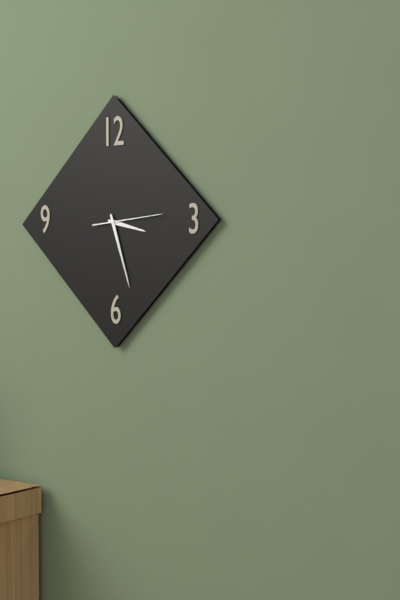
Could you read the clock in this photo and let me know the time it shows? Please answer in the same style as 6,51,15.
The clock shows 3,27,14
